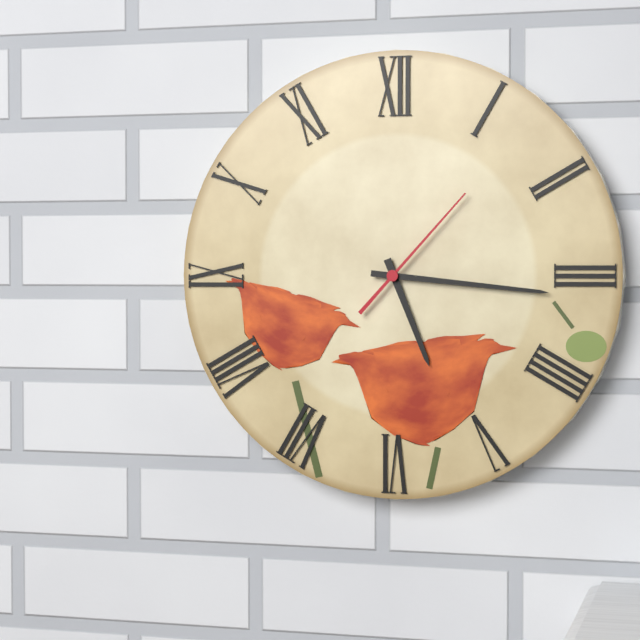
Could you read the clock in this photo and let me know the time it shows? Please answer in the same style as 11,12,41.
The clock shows 5,16,07
